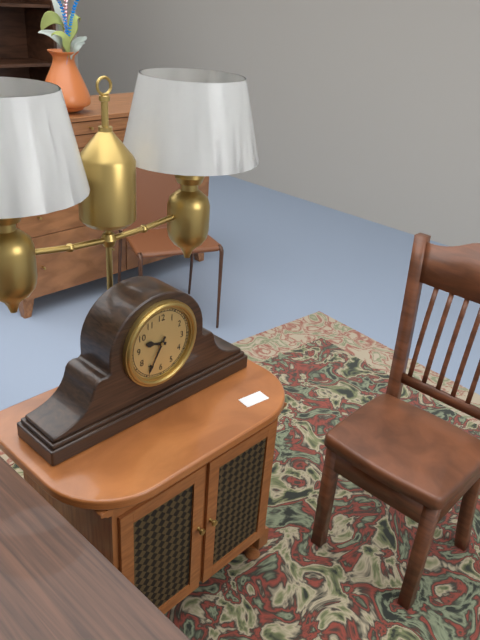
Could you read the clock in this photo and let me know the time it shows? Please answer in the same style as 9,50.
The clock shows 9,35
